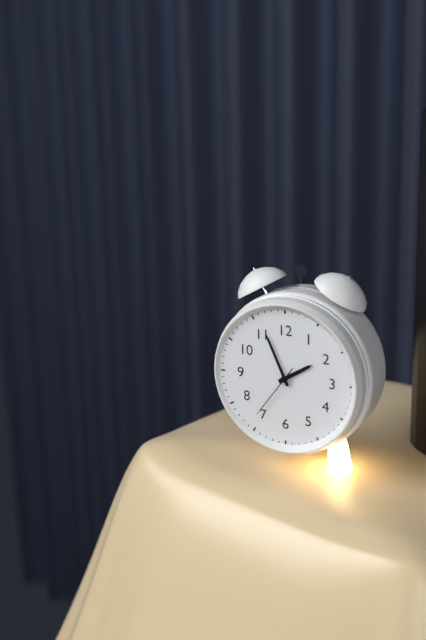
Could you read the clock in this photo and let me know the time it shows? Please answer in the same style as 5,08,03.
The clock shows 1,56,36
